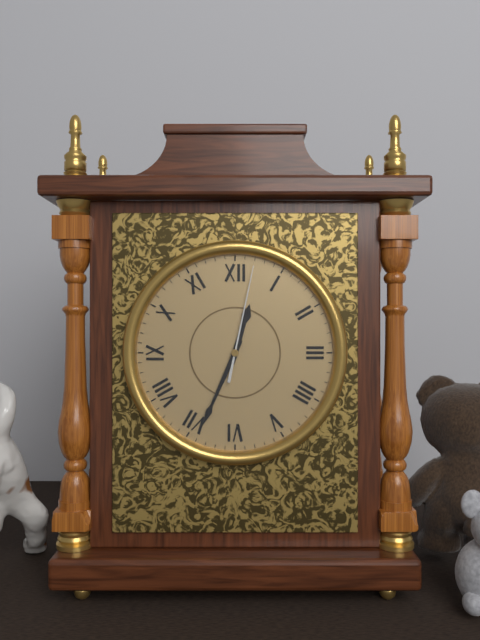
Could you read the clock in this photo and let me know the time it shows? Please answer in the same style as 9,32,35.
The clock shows 12,34,02
